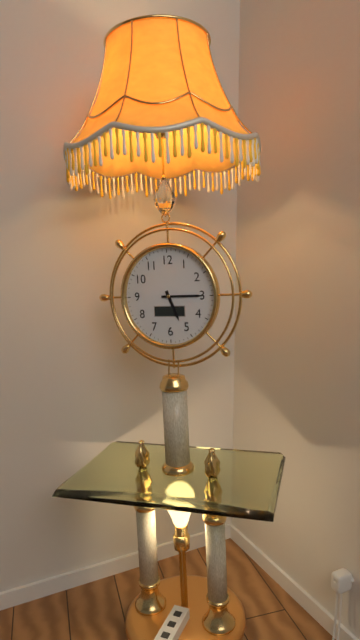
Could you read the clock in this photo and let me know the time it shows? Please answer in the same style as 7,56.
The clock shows 5,15
